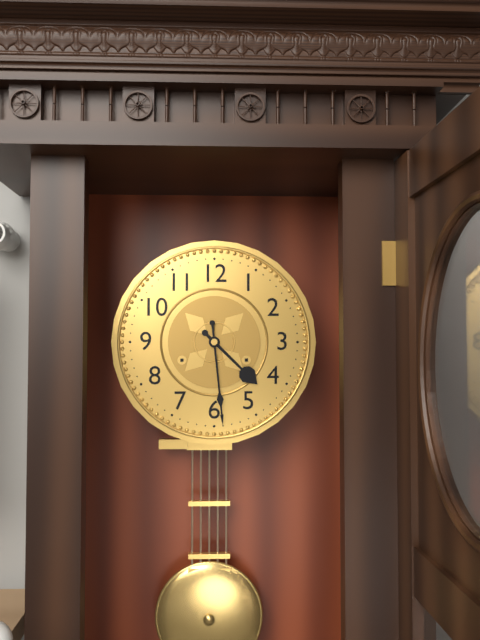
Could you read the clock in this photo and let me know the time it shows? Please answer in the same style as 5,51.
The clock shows 4,29
